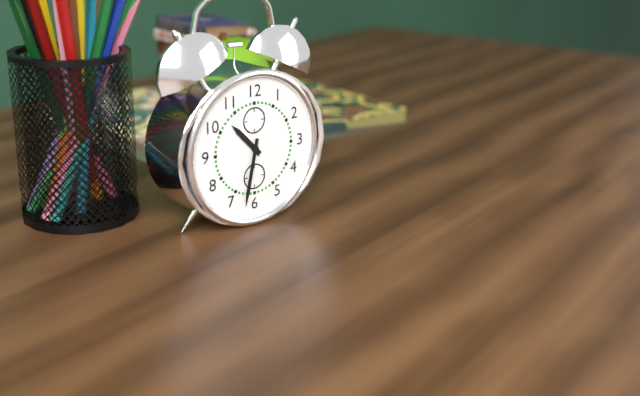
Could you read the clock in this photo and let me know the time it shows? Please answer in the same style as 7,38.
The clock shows 10,32
